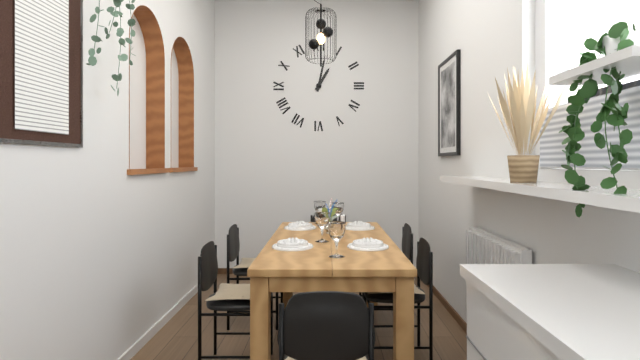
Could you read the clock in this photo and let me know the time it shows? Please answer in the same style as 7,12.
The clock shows 1,02
